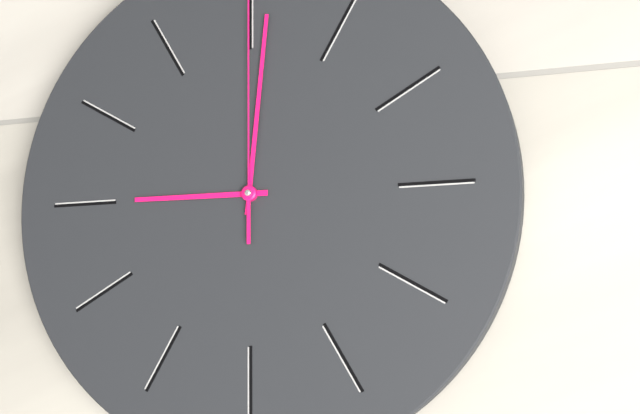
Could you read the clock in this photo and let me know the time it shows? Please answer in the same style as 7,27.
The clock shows 9,01
